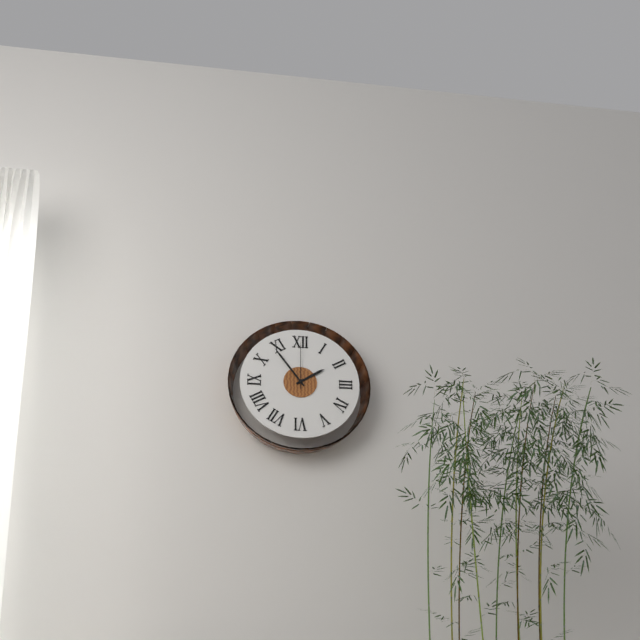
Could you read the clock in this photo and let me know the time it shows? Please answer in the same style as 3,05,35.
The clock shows 1,54,00
